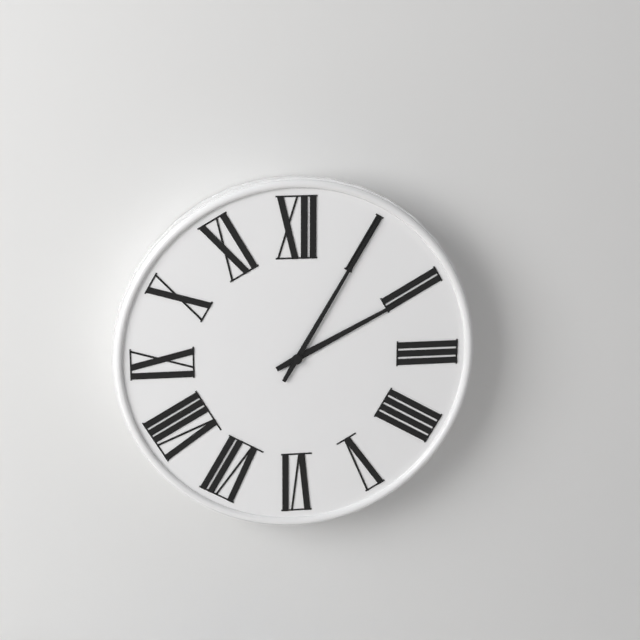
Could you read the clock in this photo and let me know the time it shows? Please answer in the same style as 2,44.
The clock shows 2,05
